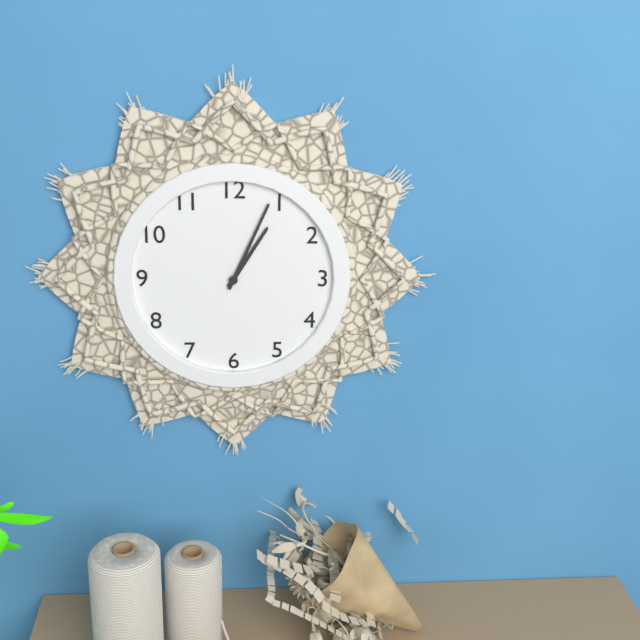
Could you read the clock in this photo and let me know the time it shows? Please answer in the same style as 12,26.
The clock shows 1,04
